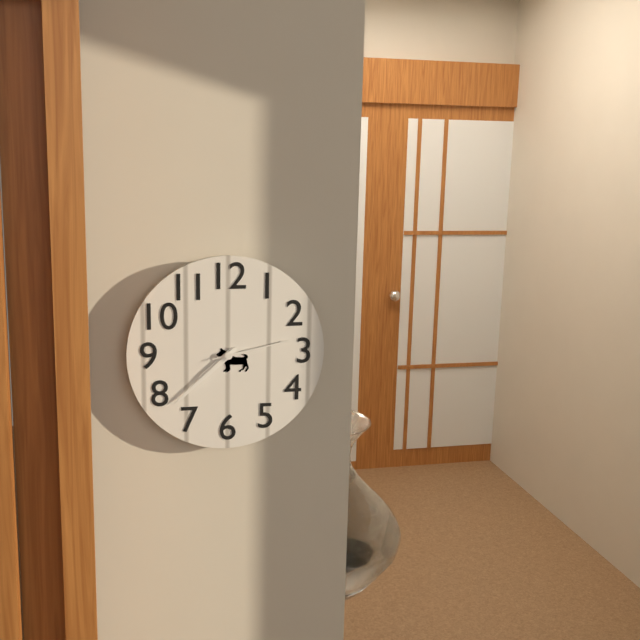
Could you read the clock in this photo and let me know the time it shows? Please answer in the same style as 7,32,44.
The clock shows 7,38,13
